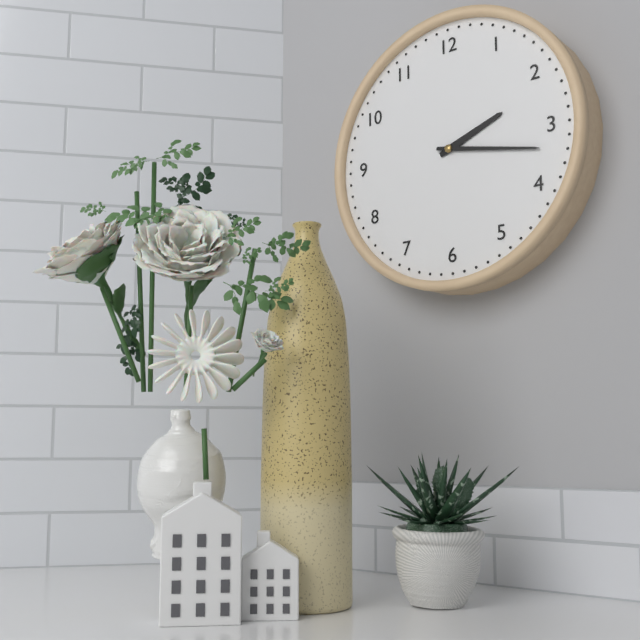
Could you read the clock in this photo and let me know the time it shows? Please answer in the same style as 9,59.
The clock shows 2,17
